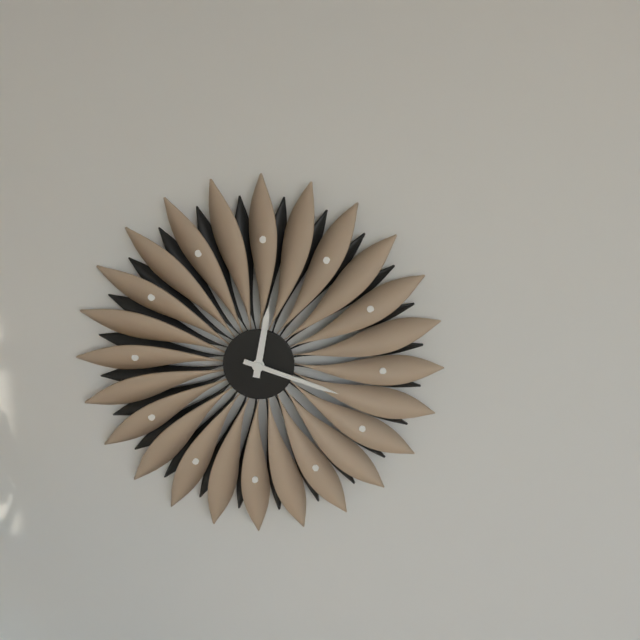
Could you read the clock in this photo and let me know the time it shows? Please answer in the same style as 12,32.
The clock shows 12,18
